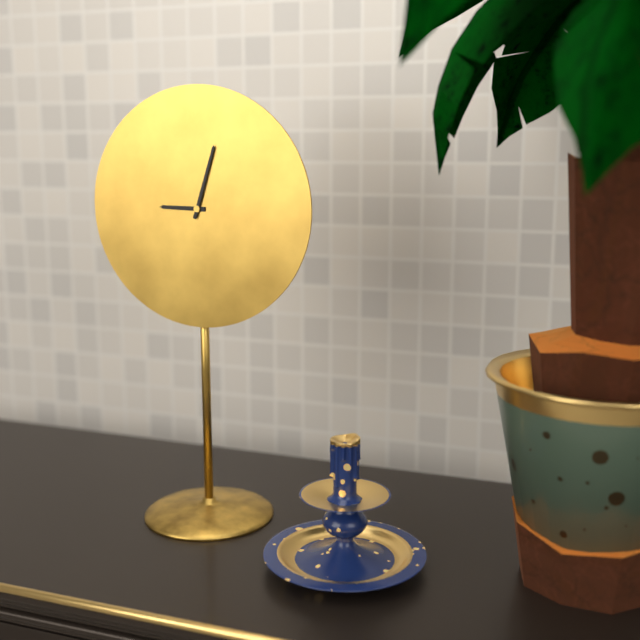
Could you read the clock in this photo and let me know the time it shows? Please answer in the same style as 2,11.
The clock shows 9,03
